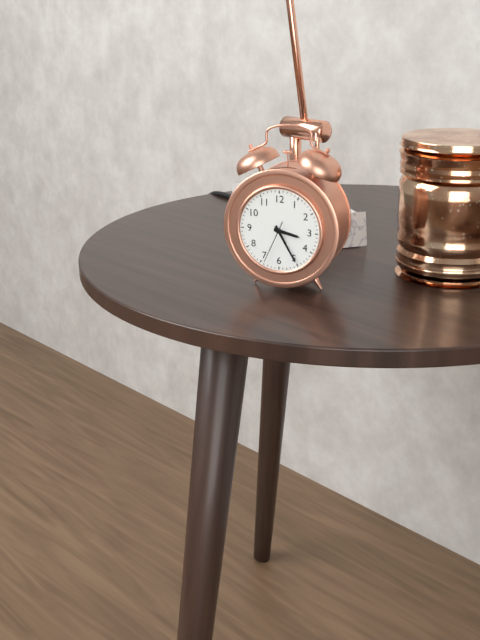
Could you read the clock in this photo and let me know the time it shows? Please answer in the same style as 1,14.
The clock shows 3,25
